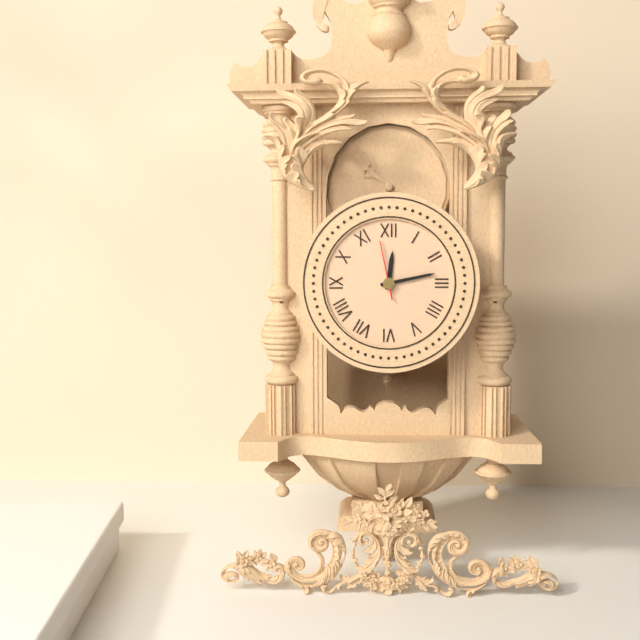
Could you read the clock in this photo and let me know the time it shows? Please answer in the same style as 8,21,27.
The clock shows 12,13,58
